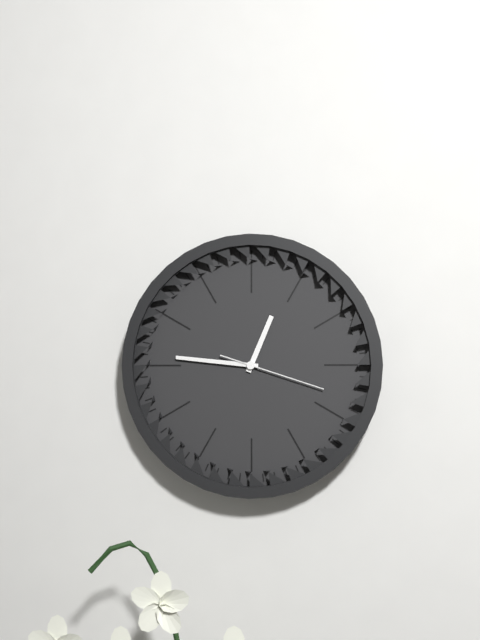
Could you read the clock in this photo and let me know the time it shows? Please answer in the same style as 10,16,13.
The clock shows 12,46,18
